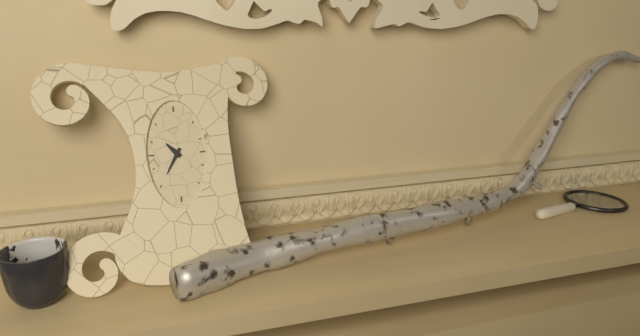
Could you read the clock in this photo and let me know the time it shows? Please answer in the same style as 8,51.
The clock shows 10,35
